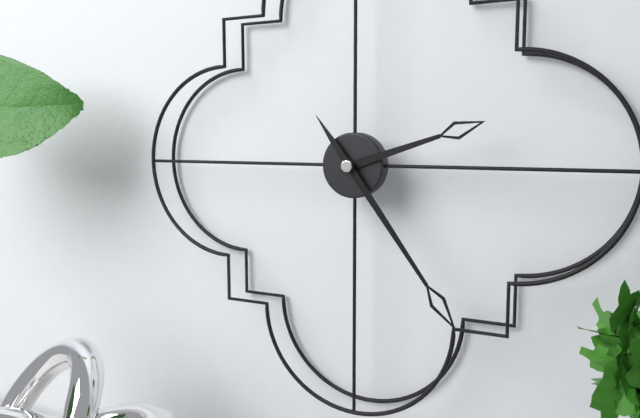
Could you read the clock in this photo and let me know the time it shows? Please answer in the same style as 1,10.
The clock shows 2,24
